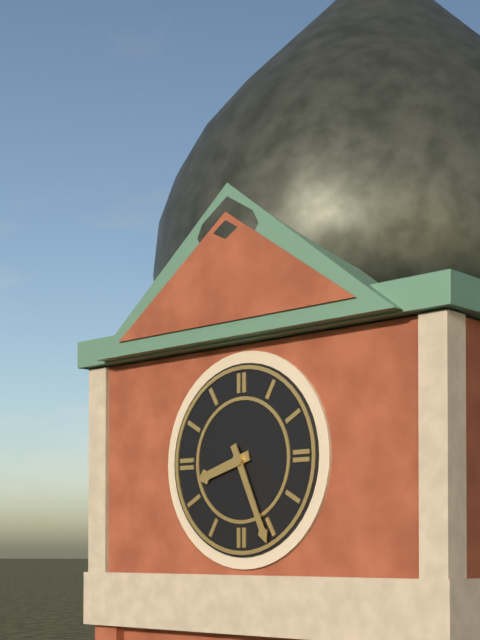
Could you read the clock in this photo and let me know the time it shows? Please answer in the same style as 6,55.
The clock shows 8,26
